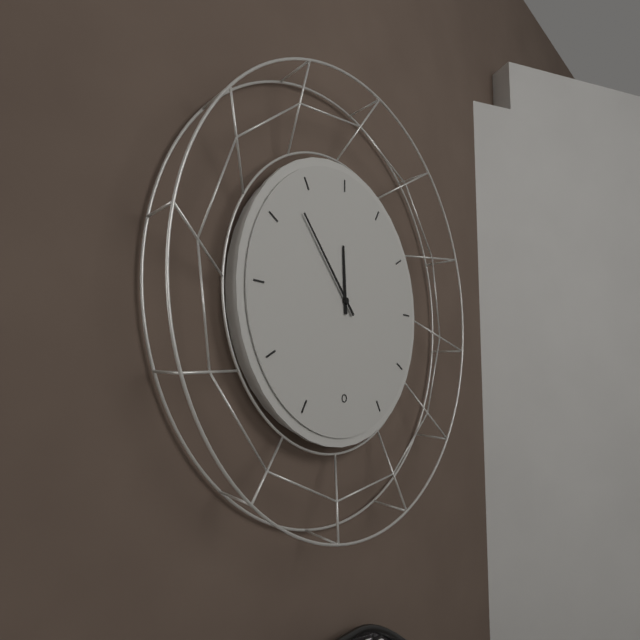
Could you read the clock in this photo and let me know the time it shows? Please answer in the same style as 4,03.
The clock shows 11,53
